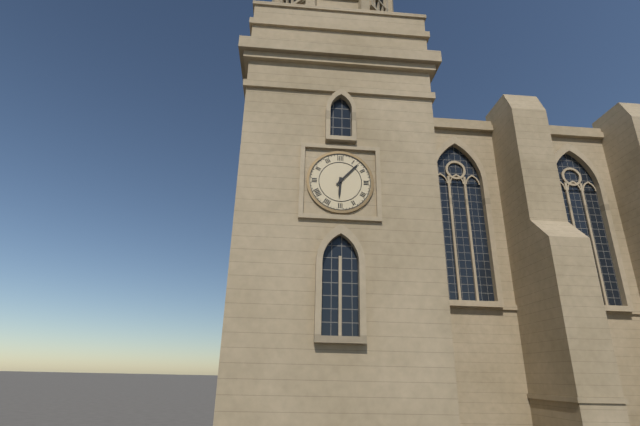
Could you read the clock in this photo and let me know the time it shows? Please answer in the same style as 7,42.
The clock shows 6,07
